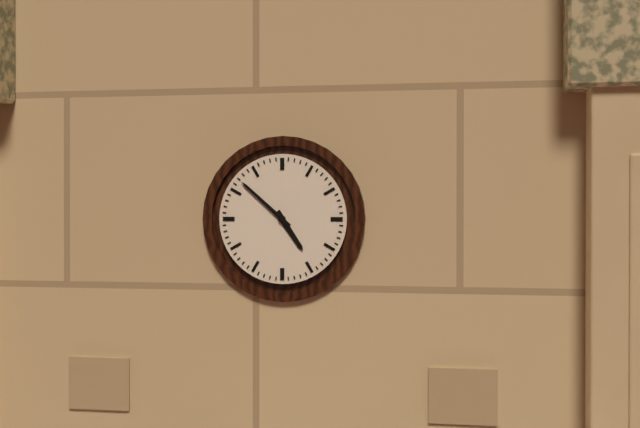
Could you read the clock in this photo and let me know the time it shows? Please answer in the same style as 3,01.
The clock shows 4,52
